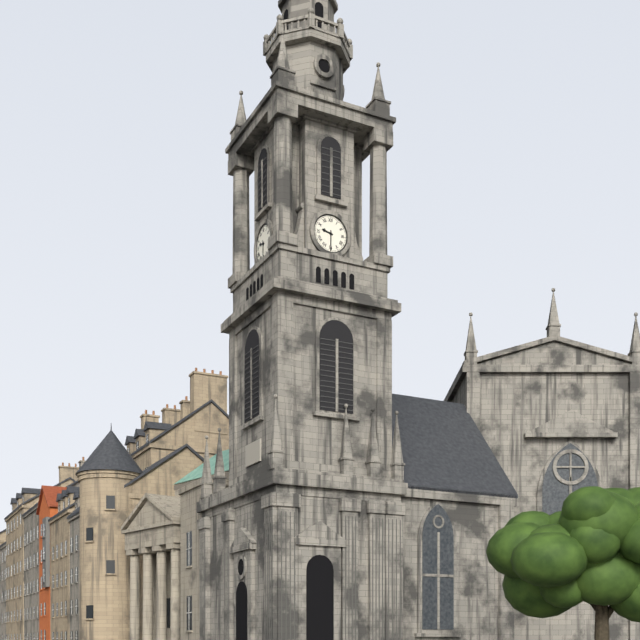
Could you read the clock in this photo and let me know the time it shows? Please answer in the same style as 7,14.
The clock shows 9,30
